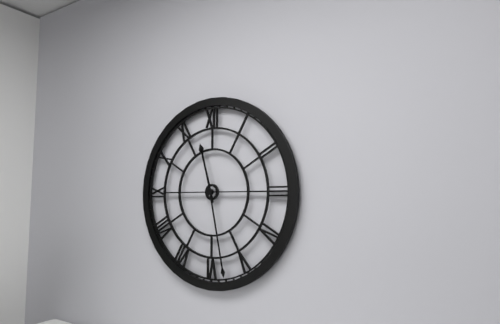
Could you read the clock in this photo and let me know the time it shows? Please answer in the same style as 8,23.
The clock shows 11,28
